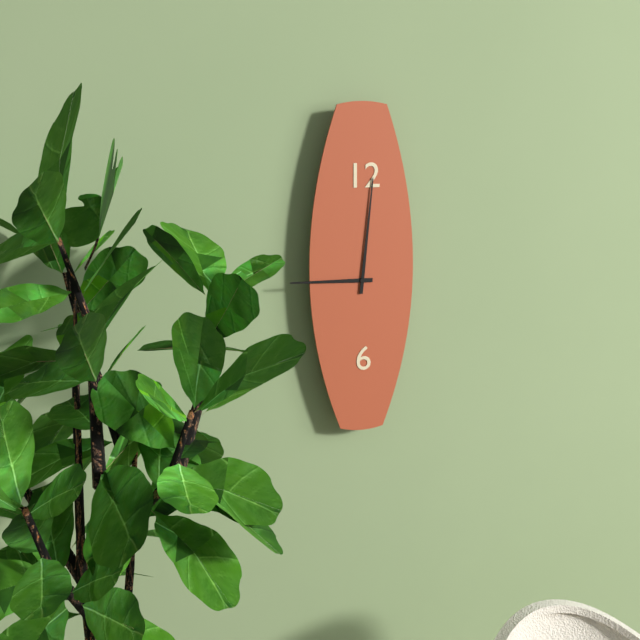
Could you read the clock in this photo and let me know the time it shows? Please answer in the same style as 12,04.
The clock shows 9,01
